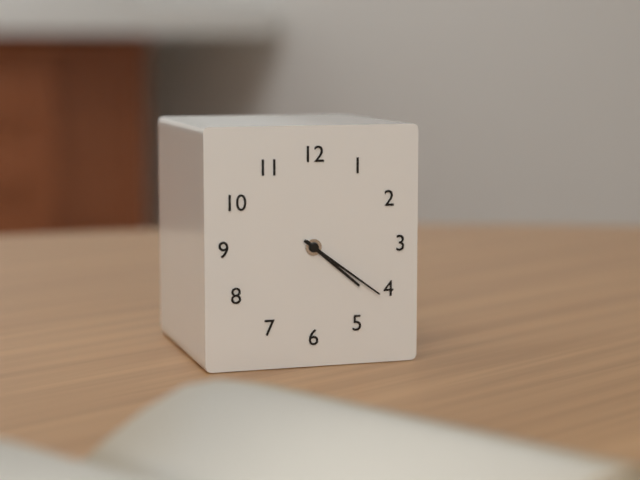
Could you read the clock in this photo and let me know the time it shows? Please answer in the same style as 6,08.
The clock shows 4,21
